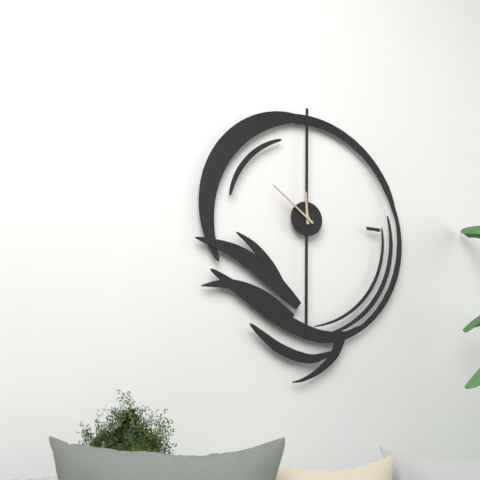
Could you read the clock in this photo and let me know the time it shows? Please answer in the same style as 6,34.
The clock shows 11,51
